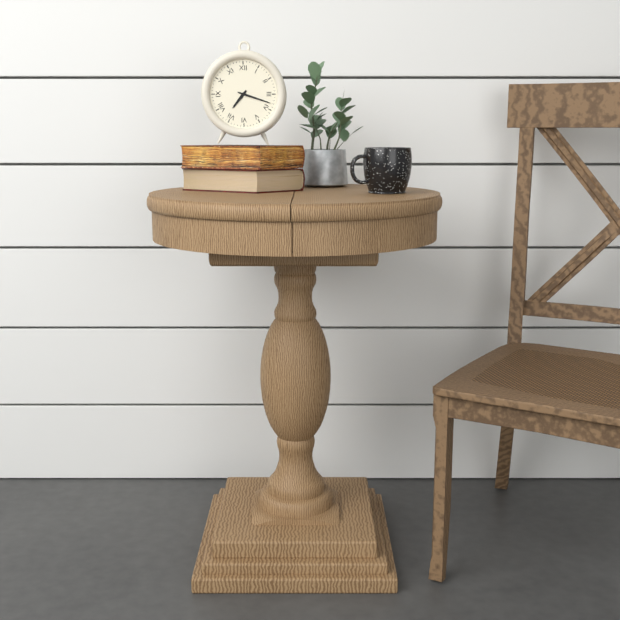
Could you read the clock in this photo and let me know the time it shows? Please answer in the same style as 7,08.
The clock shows 7,18
